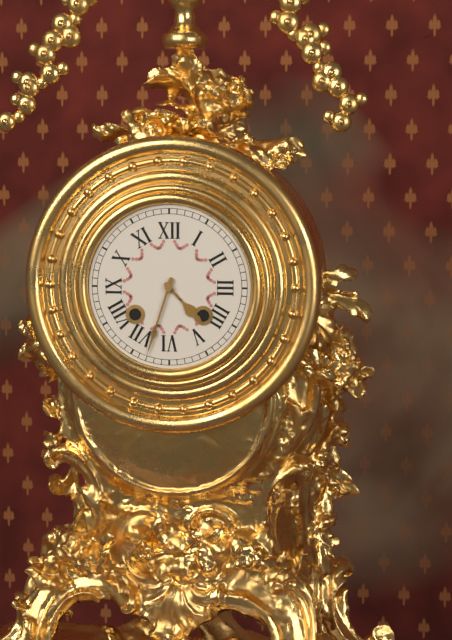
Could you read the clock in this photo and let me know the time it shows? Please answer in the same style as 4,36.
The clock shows 4,33
